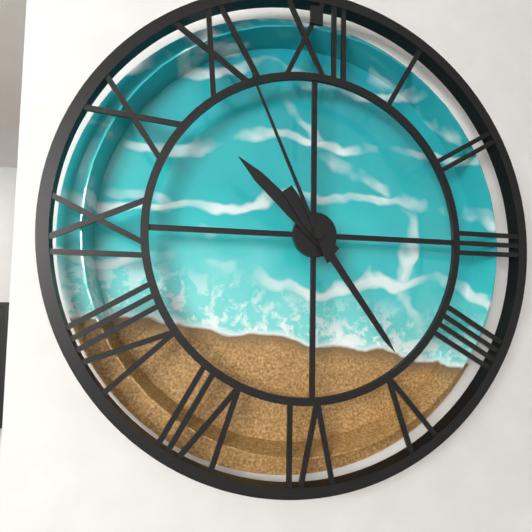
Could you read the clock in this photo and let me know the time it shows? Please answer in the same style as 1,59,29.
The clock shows 10,24,56
